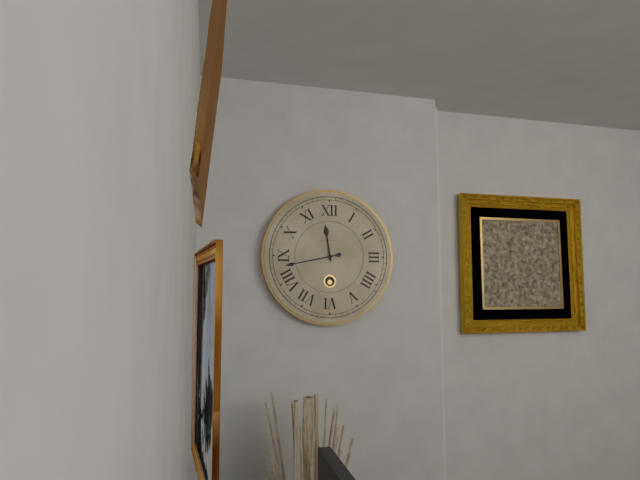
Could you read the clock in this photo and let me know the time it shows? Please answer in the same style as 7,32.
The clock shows 11,43
